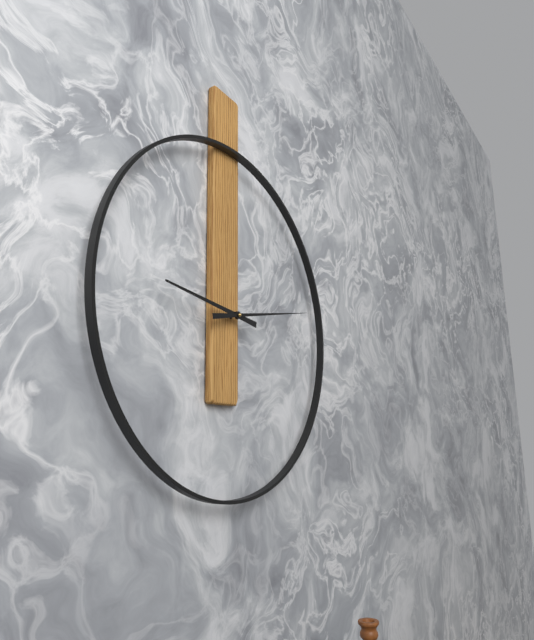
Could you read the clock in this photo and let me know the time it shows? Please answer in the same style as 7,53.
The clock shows 9,13
